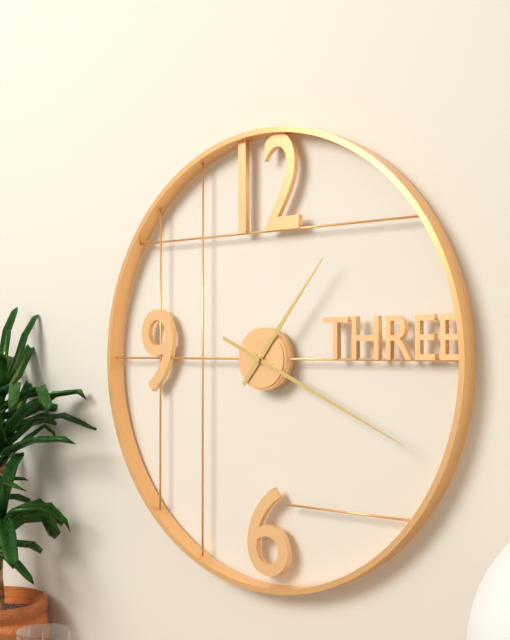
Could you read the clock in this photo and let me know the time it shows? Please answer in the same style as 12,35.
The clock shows 1,19
